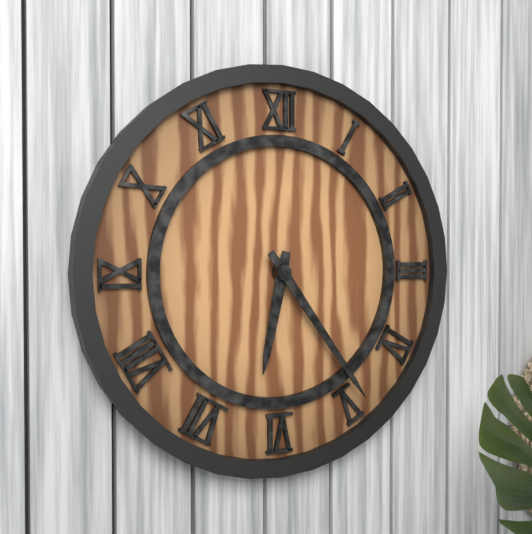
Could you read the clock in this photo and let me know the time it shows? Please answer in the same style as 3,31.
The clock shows 6,24
